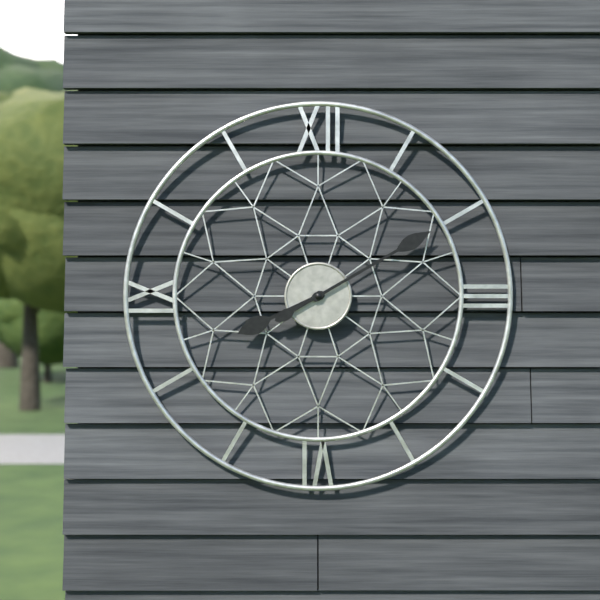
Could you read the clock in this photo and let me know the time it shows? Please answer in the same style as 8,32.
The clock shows 8,10
